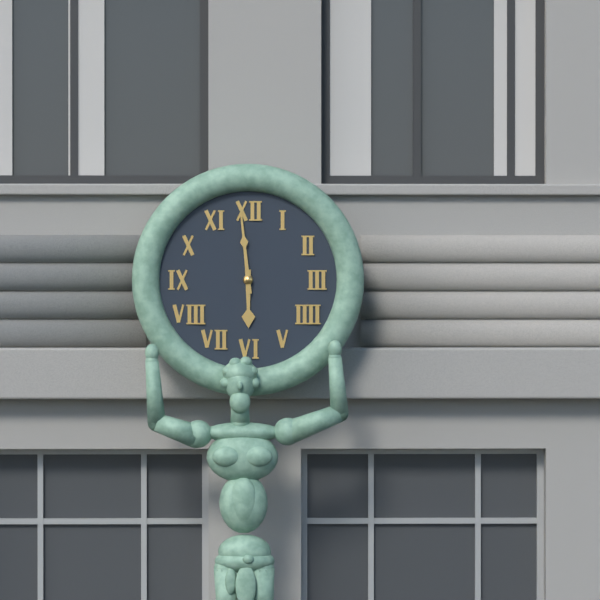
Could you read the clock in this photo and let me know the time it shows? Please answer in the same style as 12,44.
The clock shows 5,59
